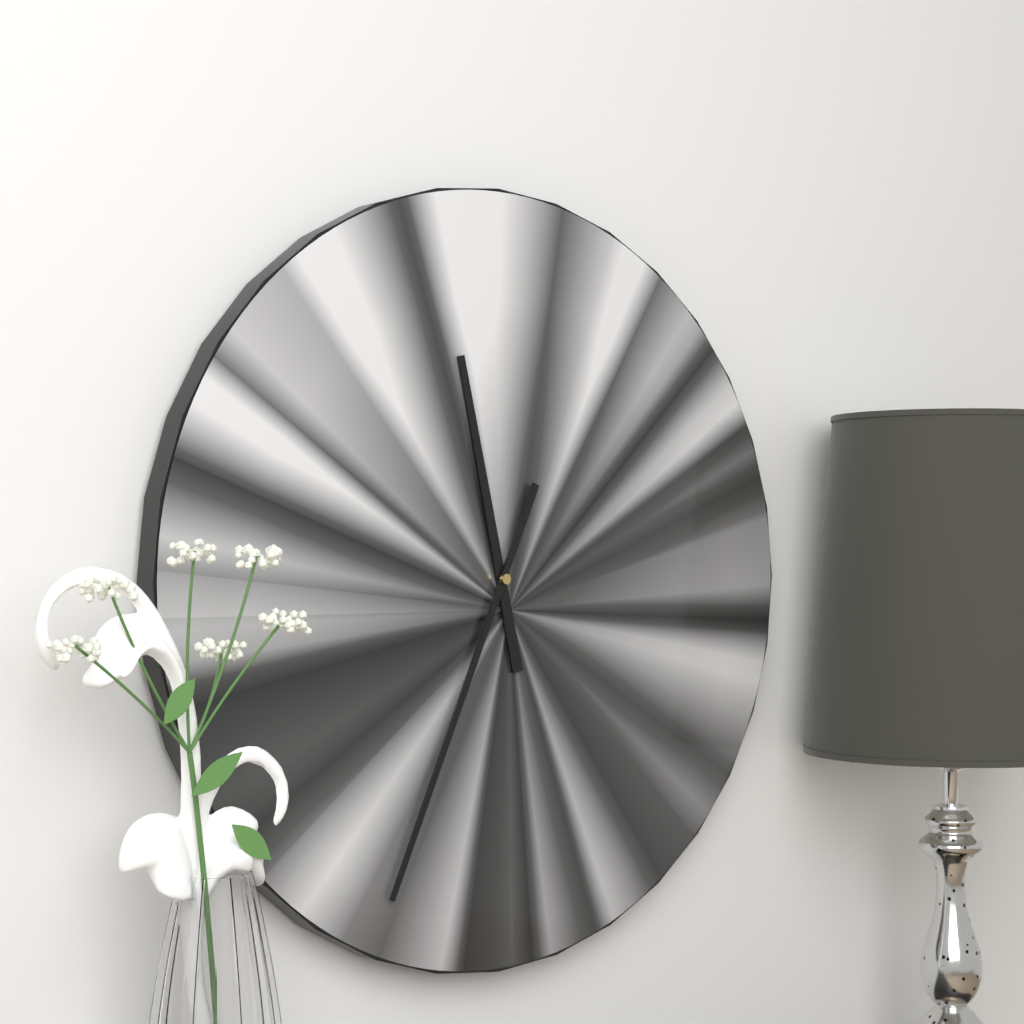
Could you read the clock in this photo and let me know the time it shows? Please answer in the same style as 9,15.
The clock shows 11,34
